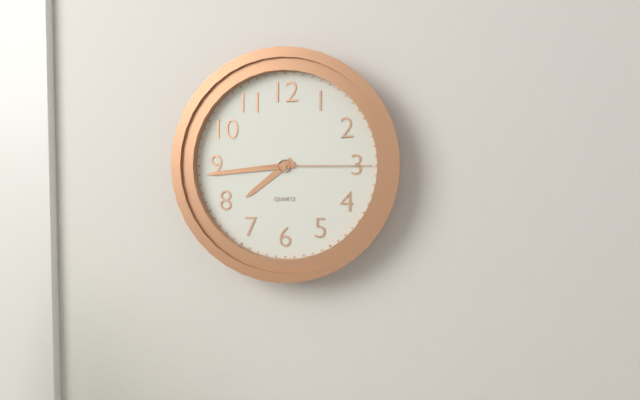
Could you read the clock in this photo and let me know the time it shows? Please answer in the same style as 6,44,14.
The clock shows 7,44,15
